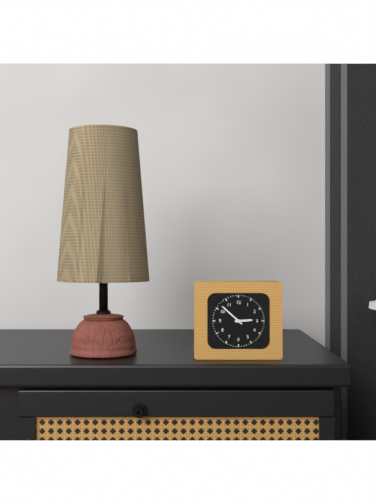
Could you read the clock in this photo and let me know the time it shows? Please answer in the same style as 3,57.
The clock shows 2,52
